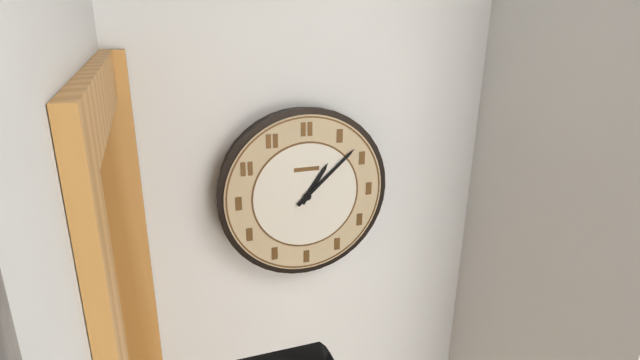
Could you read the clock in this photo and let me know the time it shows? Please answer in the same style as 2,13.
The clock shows 1,08
